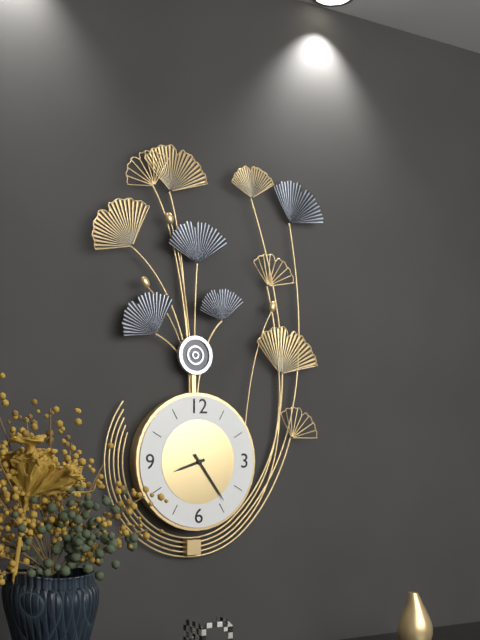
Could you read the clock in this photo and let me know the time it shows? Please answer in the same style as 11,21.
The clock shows 8,24
